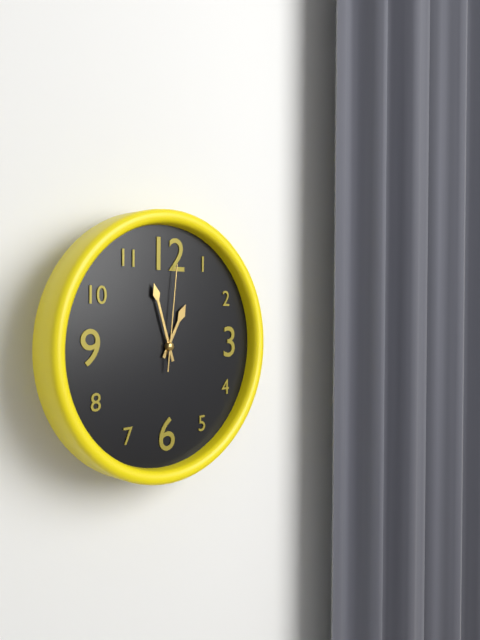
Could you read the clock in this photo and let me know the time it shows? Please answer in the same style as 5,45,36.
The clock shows 12,57,01
